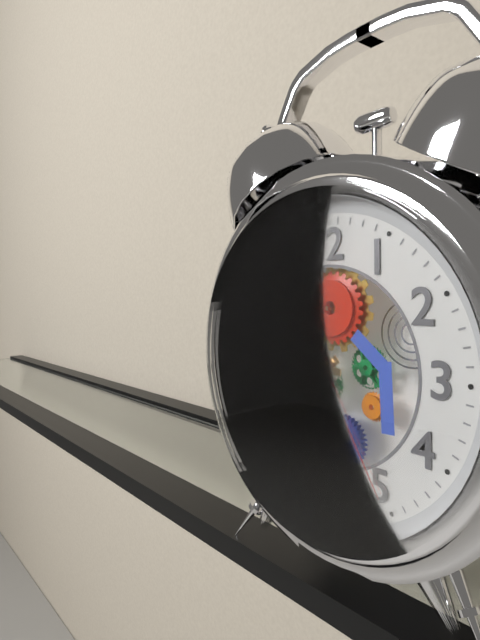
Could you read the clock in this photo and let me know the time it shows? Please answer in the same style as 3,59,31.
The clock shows 7,46,25
